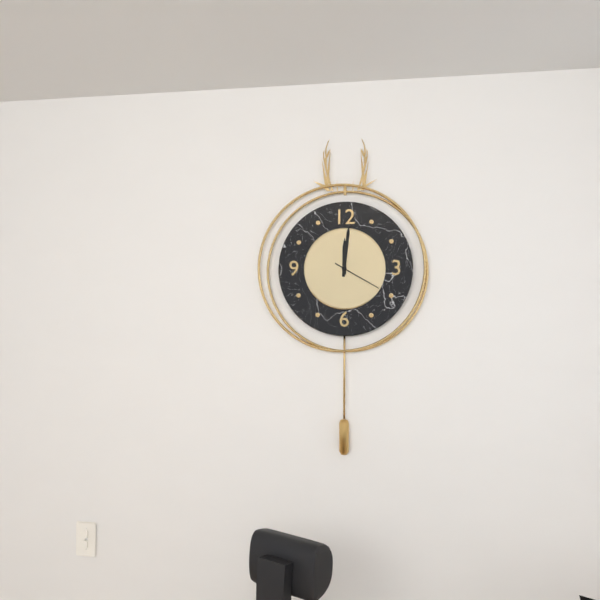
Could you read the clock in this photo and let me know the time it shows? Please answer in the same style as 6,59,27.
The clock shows 12,01,20
